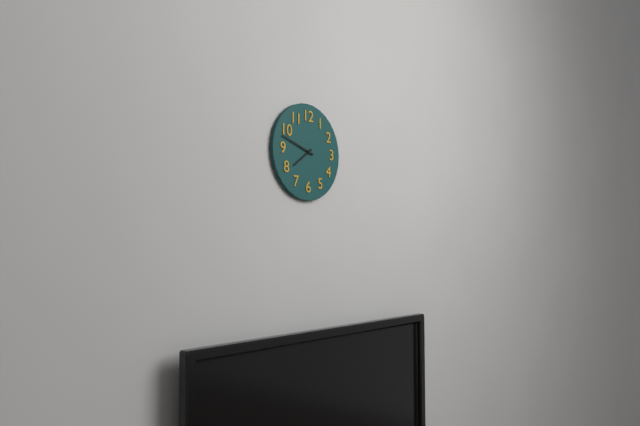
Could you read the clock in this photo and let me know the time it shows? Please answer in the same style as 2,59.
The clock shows 7,48
